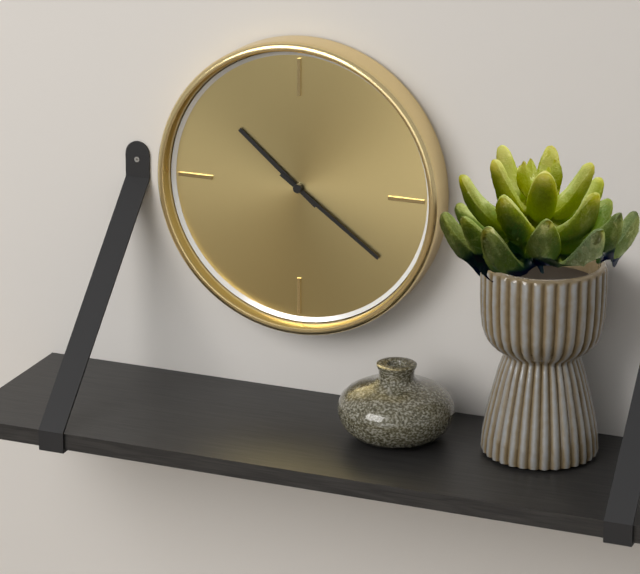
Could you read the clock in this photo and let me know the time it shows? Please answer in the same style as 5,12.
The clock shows 10,21
